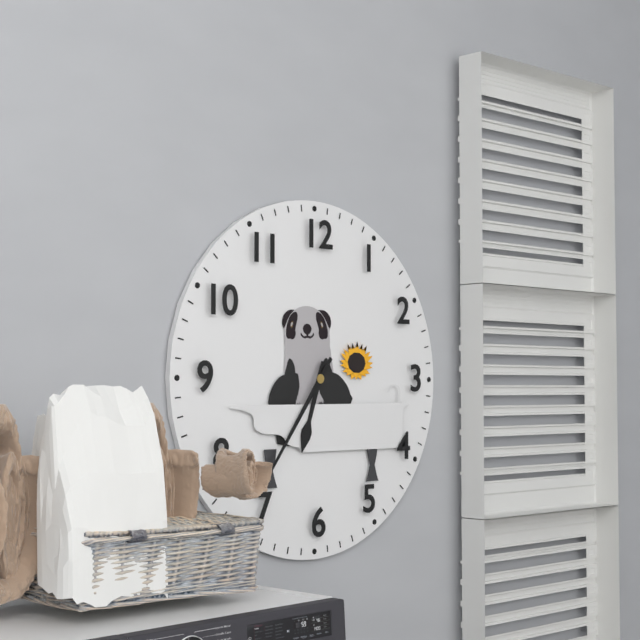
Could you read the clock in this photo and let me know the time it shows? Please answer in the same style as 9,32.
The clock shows 6,36
